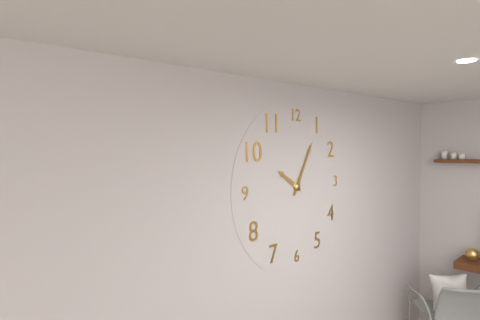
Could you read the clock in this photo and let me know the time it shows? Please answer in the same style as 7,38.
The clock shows 10,05
